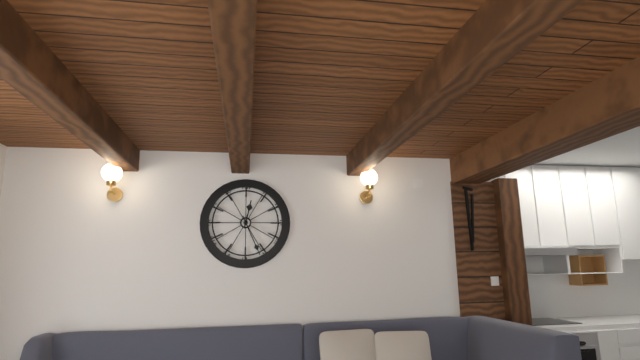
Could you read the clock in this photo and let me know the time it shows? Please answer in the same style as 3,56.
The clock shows 12,26
